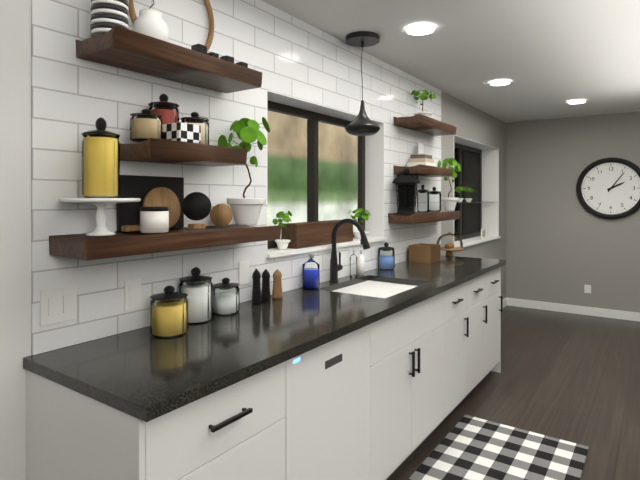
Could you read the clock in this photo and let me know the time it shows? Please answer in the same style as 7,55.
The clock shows 2,06
